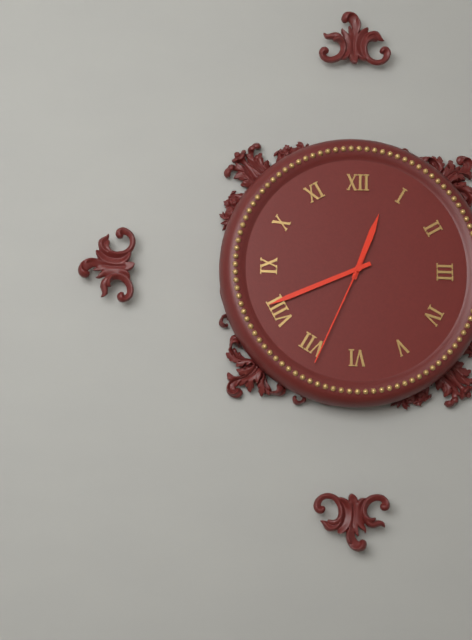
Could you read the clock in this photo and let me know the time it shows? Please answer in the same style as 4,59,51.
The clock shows 12,41,34
